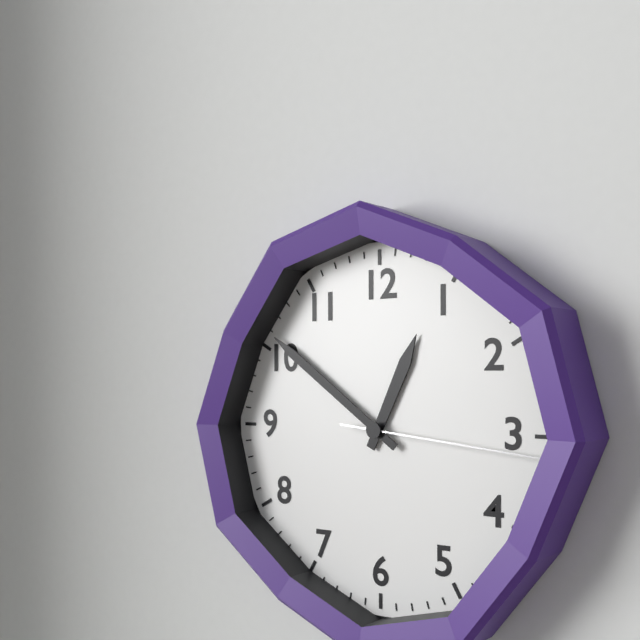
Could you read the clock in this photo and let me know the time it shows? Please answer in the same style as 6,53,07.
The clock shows 12,51,16
